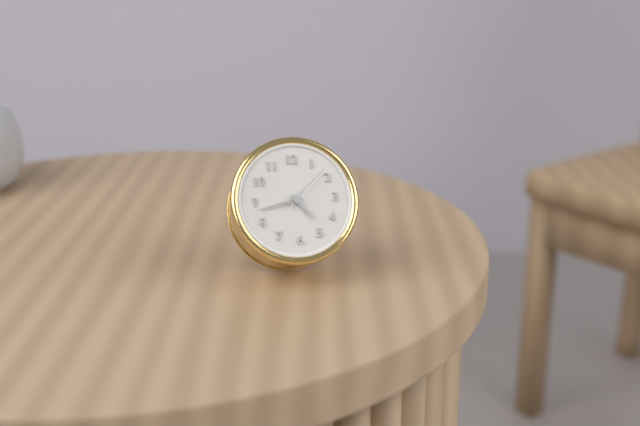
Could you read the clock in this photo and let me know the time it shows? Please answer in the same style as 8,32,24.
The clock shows 4,43,08
